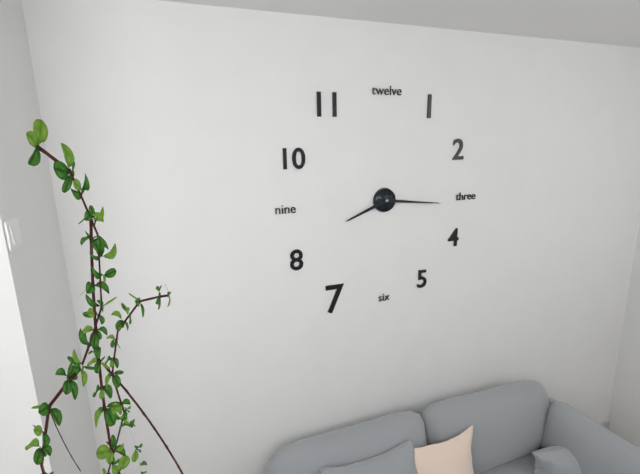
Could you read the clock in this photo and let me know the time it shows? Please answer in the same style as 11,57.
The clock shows 8,16
